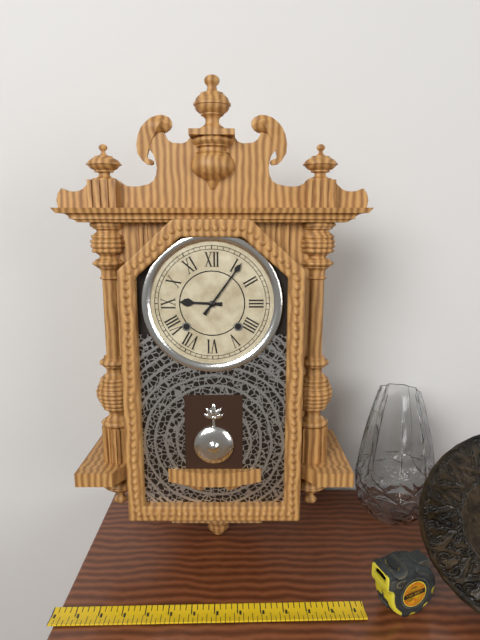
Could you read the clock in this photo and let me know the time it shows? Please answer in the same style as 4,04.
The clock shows 9,06
